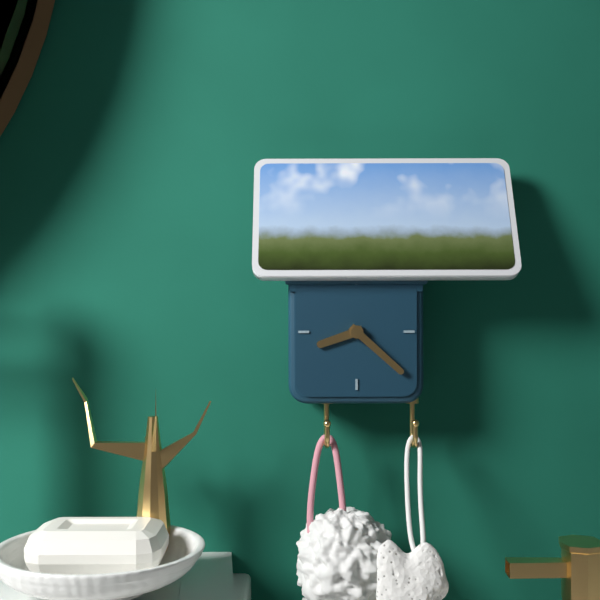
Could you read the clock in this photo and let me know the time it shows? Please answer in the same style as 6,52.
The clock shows 8,22
